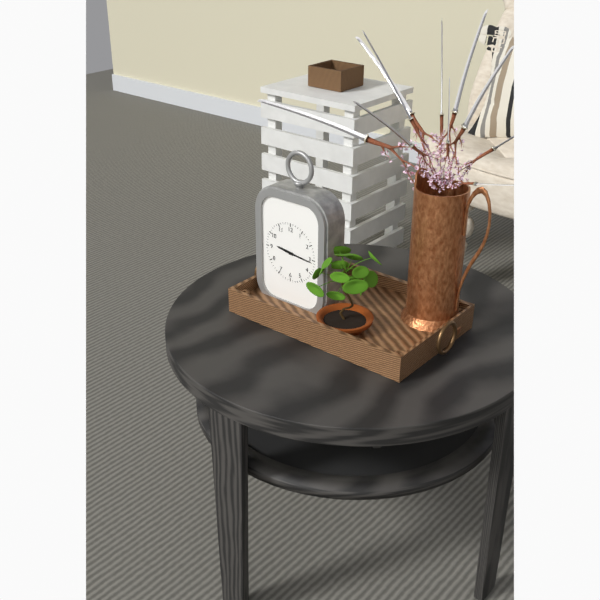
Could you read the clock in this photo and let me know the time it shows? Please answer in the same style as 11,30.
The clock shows 9,16
